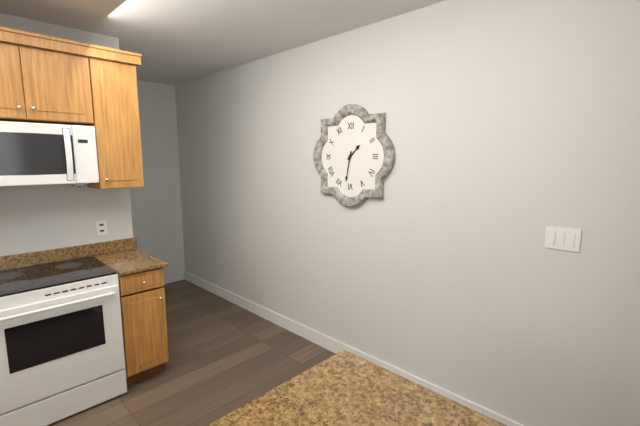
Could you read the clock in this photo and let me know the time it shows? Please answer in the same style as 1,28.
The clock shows 1,32
